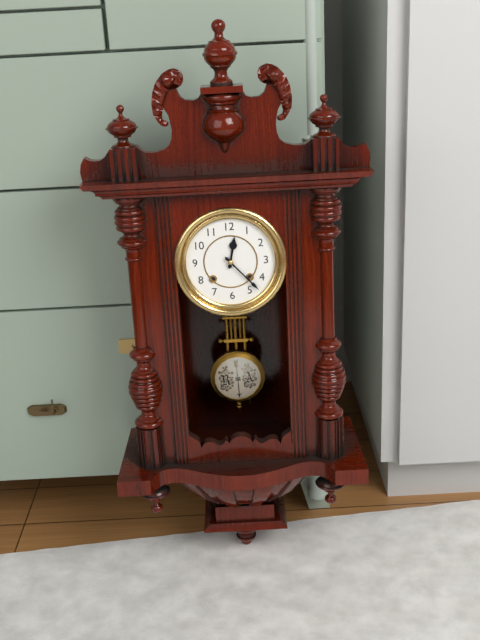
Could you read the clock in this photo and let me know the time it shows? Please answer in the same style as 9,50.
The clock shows 12,23
